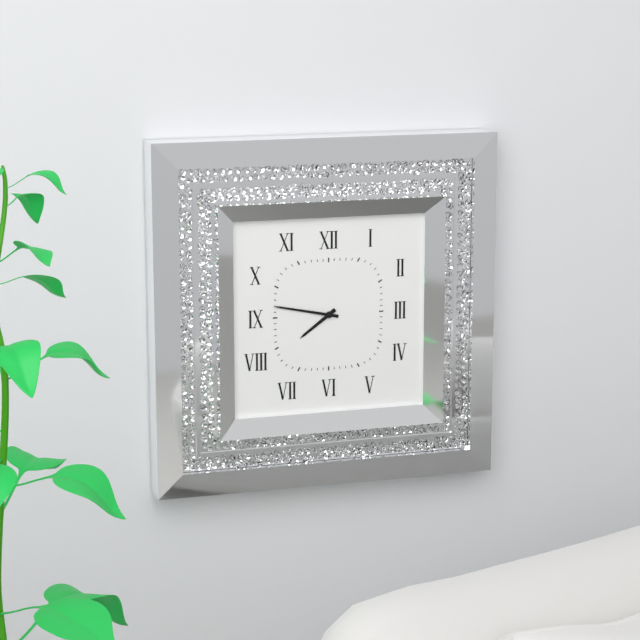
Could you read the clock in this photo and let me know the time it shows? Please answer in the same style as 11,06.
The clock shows 7,47
